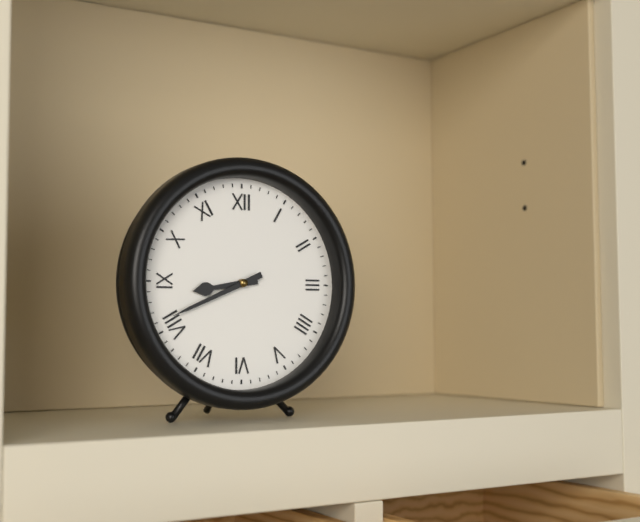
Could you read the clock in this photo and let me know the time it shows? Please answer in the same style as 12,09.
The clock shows 8,41
